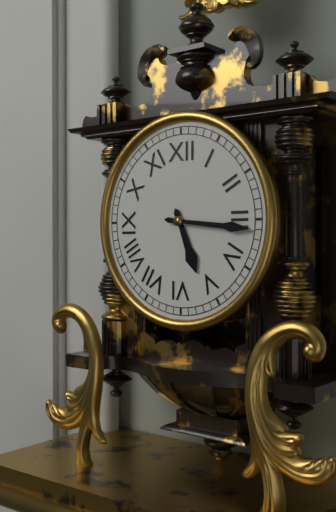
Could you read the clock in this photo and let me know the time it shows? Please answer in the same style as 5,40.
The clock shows 5,16
